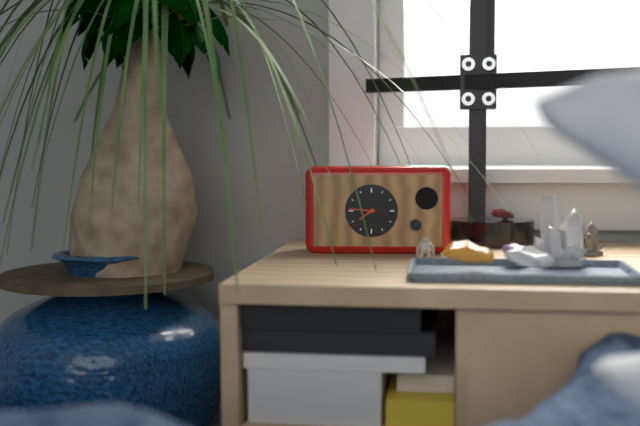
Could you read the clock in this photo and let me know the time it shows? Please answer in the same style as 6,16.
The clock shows 7,46
